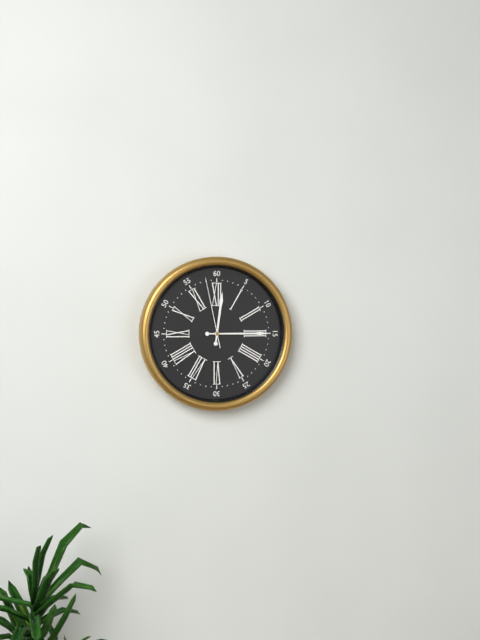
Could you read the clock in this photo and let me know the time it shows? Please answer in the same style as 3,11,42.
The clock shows 12,15,58
